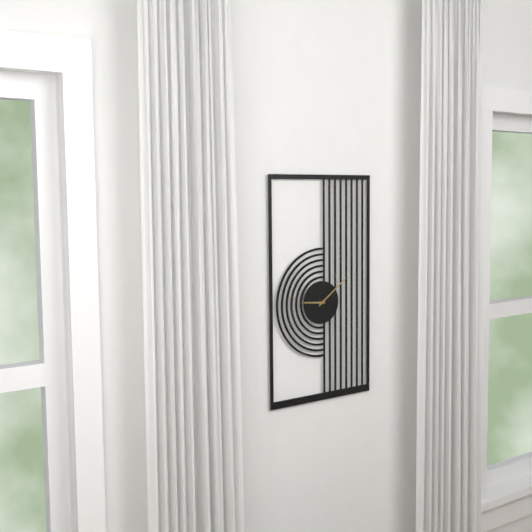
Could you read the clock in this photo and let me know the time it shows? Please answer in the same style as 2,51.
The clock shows 9,09
